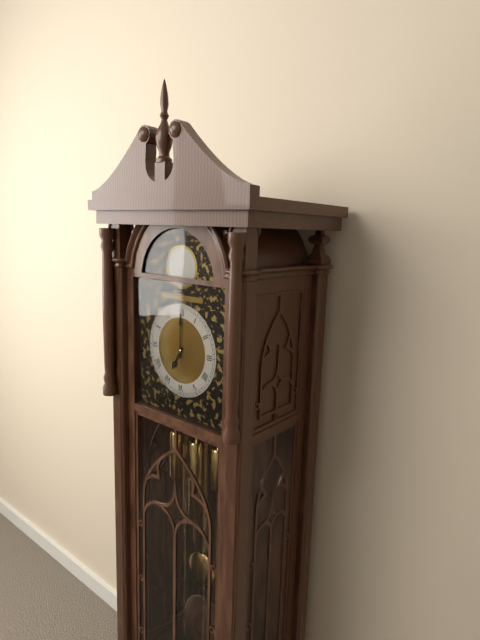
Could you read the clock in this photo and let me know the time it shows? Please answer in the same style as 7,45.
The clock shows 7,00
